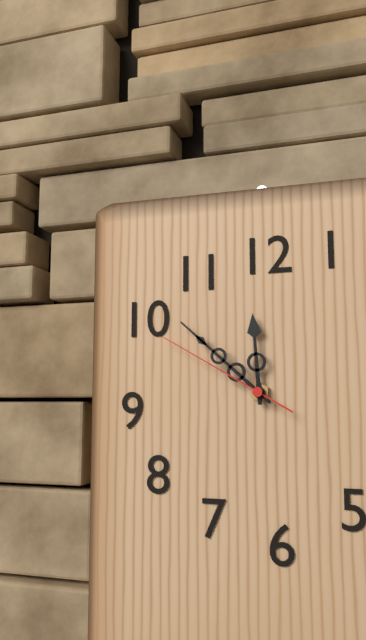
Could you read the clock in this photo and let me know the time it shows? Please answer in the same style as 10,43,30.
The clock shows 11,52,50
